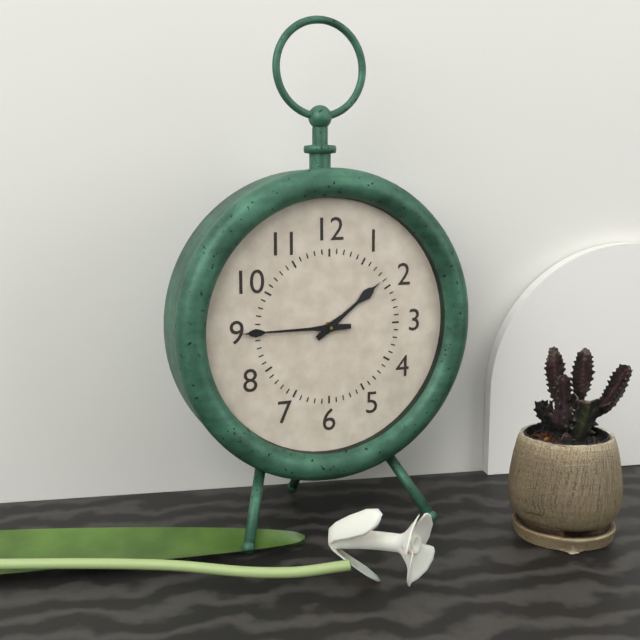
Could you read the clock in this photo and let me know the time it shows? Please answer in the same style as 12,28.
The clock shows 1,45
